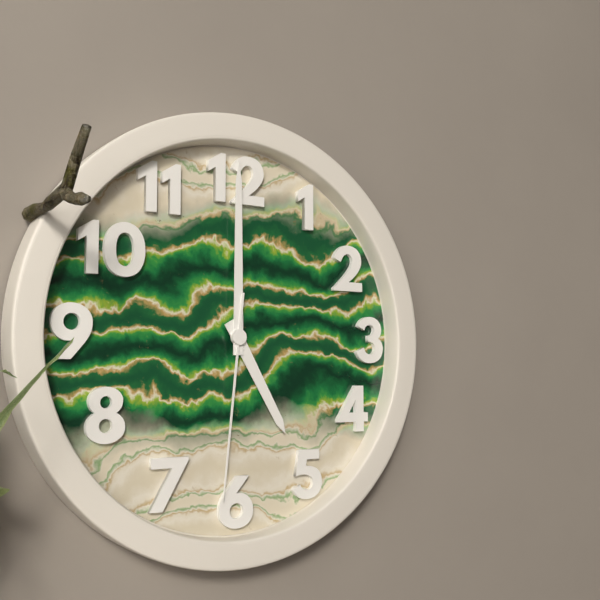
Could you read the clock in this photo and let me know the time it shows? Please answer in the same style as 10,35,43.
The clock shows 5,00,31
